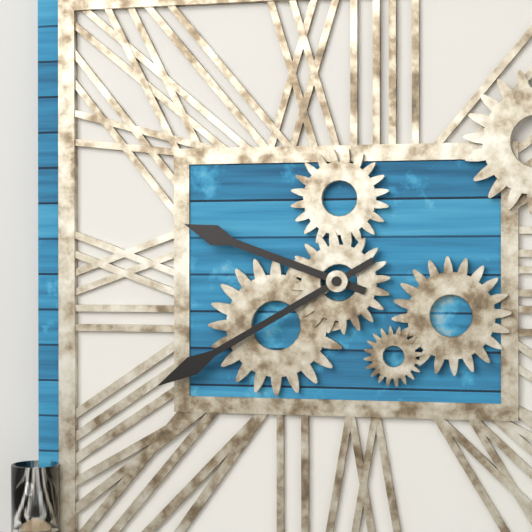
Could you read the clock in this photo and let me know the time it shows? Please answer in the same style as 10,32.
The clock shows 9,40
